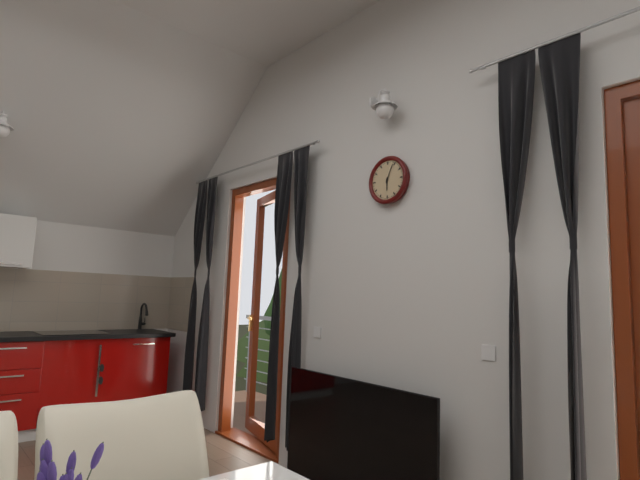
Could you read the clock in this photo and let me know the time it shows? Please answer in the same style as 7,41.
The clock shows 6,04
